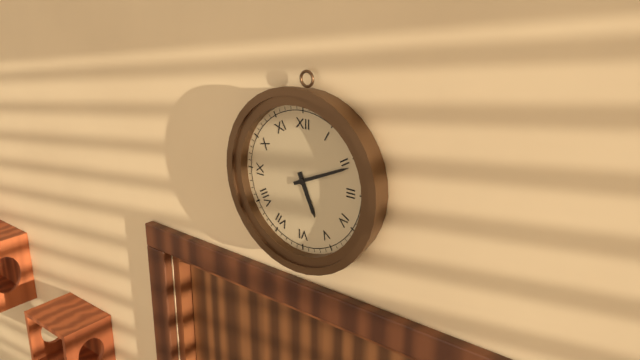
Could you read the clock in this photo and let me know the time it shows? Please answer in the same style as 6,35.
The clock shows 5,11
